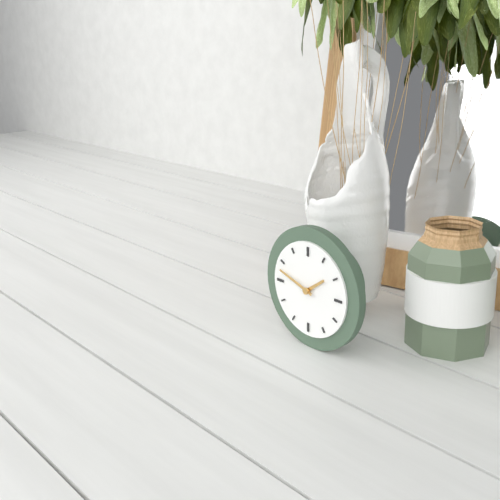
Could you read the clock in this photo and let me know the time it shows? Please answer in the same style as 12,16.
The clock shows 1,48
